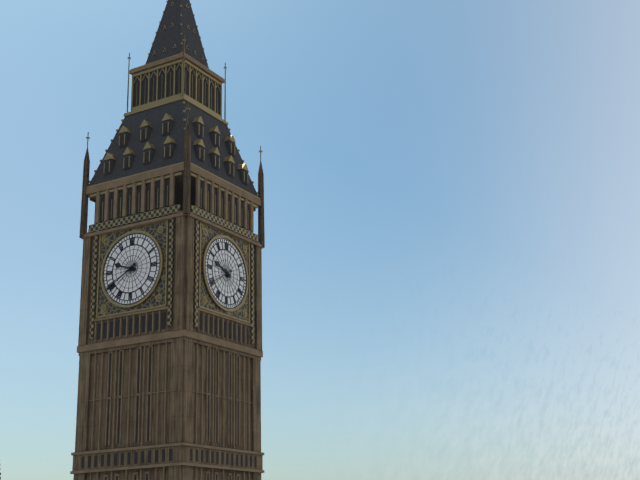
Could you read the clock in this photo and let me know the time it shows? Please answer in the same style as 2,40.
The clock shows 9,40
